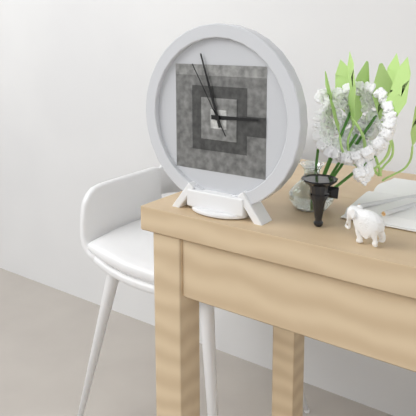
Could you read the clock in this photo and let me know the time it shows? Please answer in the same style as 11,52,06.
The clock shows 2,57,55
